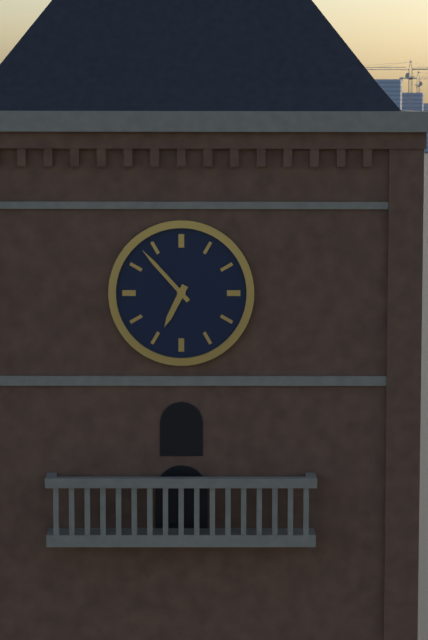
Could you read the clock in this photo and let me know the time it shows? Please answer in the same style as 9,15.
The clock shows 6,53
